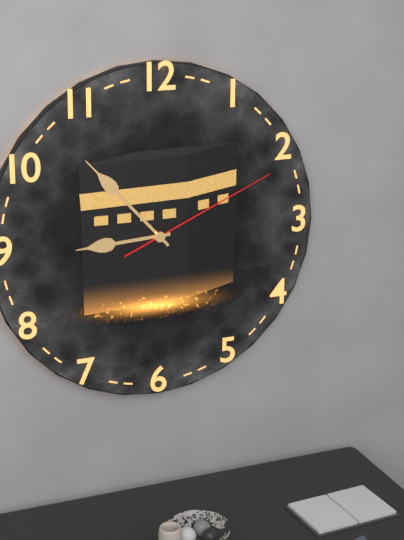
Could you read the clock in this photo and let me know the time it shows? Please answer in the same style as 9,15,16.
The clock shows 8,53,11
